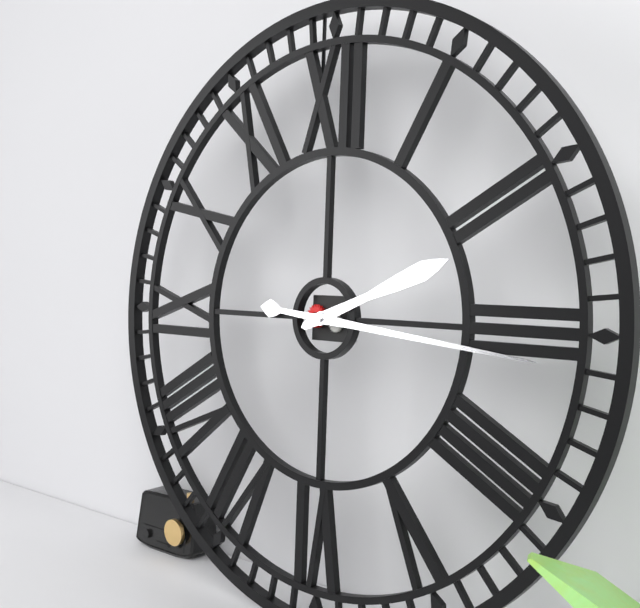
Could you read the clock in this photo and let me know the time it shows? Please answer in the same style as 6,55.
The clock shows 2,16
